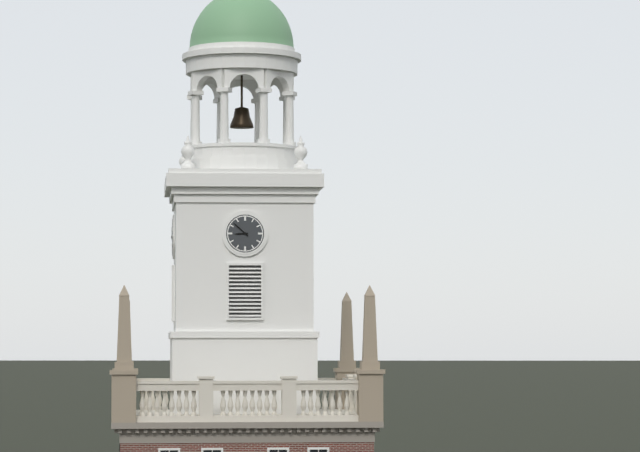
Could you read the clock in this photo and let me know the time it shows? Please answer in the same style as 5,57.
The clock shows 8,52
